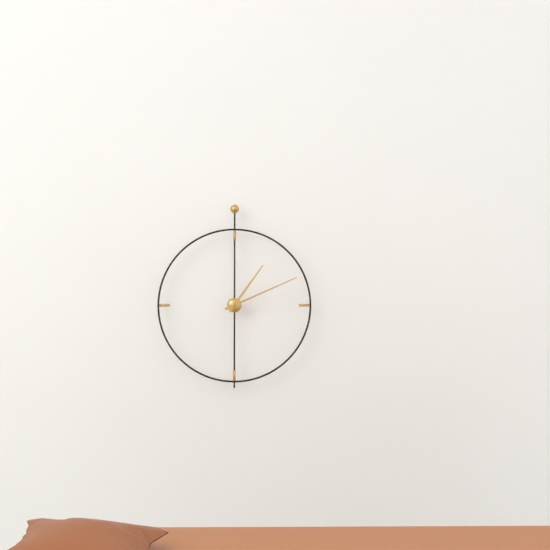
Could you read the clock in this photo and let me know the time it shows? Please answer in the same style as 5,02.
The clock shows 1,11
